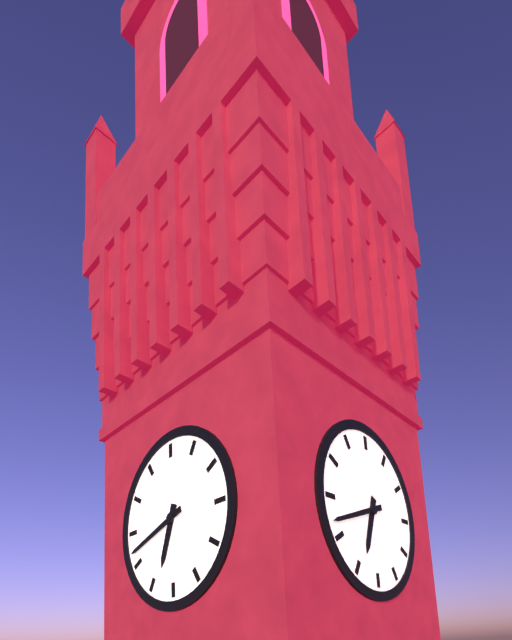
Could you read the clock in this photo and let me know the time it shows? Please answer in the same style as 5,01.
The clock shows 6,42
